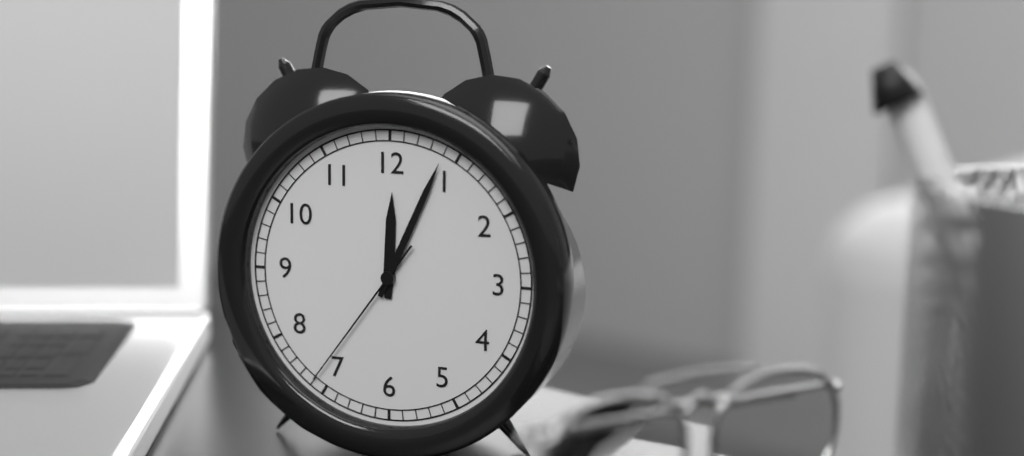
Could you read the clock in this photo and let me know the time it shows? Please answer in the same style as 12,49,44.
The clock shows 12,04,36
